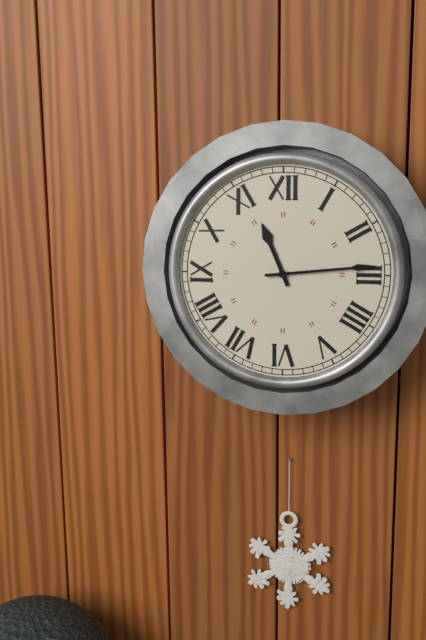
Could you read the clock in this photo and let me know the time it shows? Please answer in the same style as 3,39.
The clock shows 11,14
